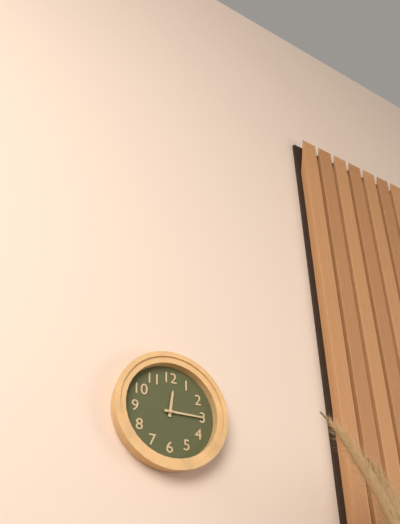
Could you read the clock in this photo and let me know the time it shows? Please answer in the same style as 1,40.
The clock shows 12,15
